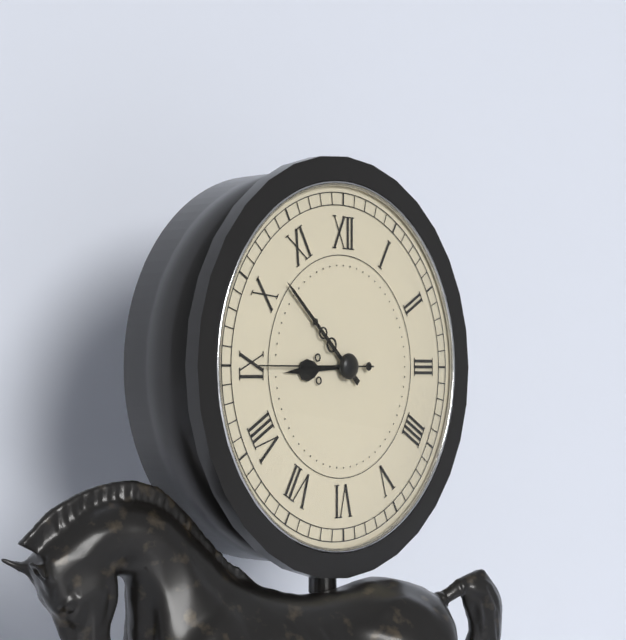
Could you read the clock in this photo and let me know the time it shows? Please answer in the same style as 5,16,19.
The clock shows 8,52,45
